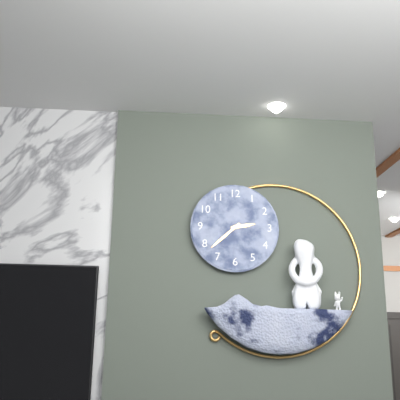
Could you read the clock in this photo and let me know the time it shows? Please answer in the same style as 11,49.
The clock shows 2,38
